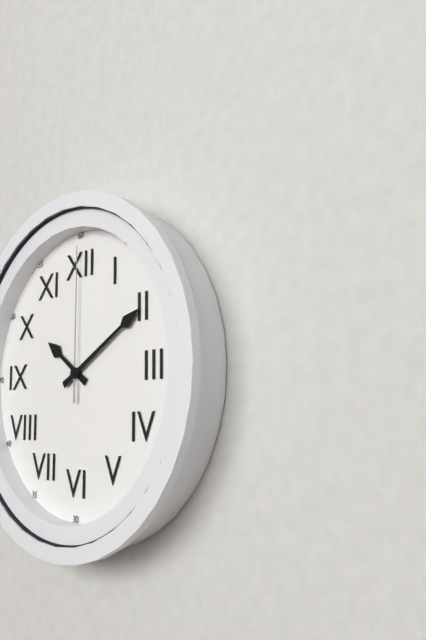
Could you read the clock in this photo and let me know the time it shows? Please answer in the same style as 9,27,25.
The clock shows 10,10,00
